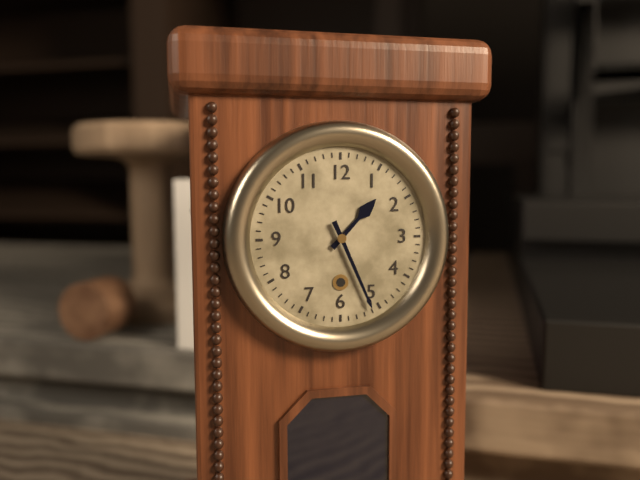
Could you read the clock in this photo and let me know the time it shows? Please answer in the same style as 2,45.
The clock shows 1,26
